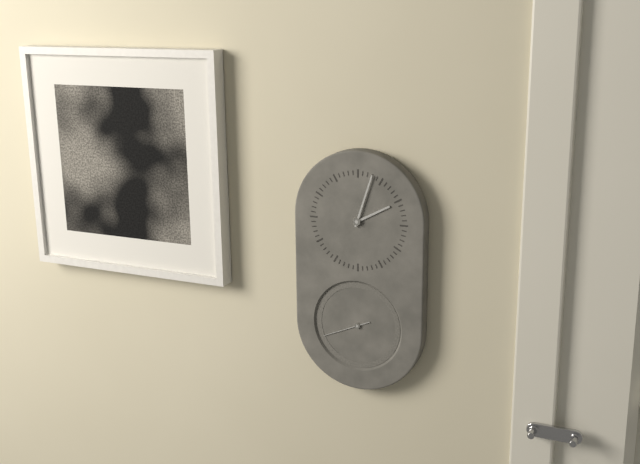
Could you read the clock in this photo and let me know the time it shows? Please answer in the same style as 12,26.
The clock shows 2,03
